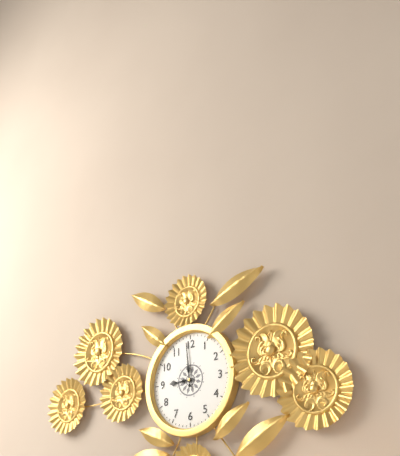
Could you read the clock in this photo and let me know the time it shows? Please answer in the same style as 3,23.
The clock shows 8,59
